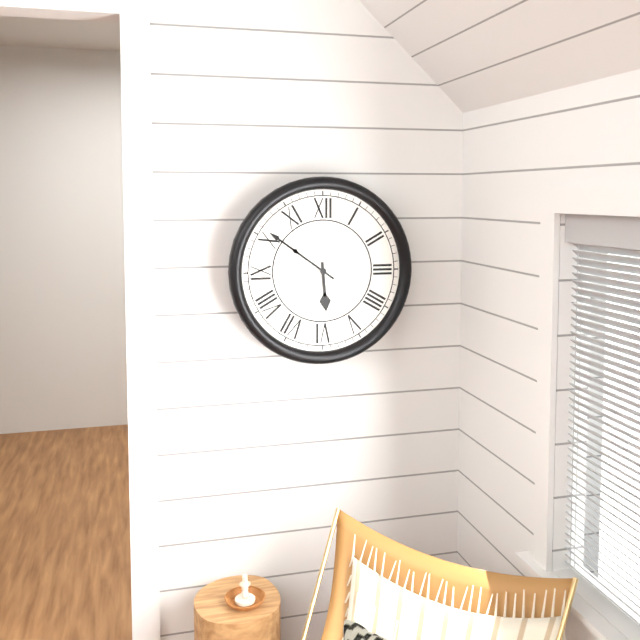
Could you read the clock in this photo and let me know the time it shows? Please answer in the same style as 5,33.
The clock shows 5,51
